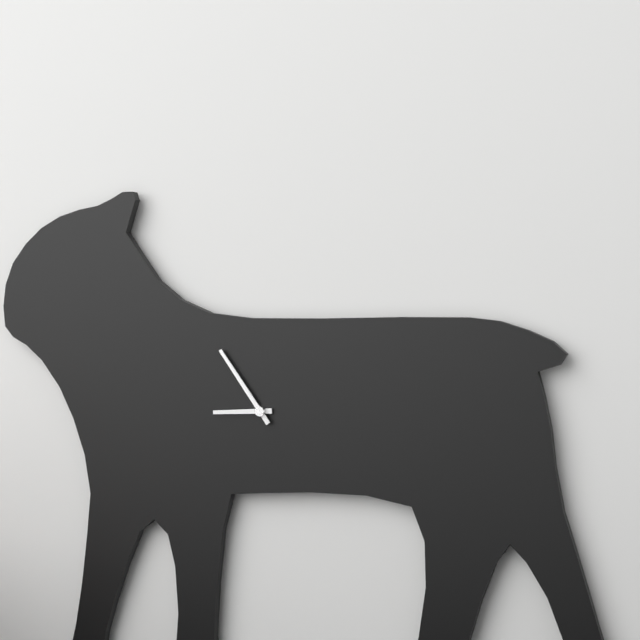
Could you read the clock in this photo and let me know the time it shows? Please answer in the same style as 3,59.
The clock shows 8,54
